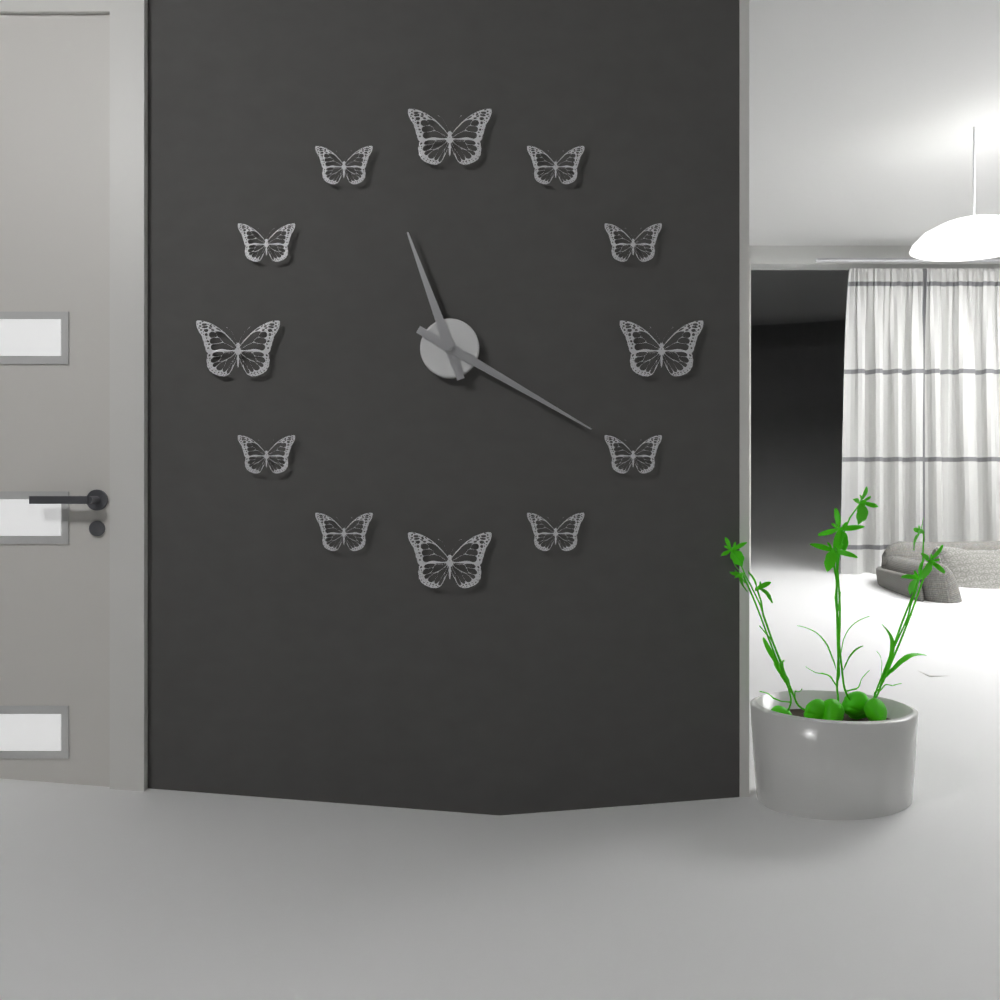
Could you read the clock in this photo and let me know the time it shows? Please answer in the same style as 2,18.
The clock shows 11,20
